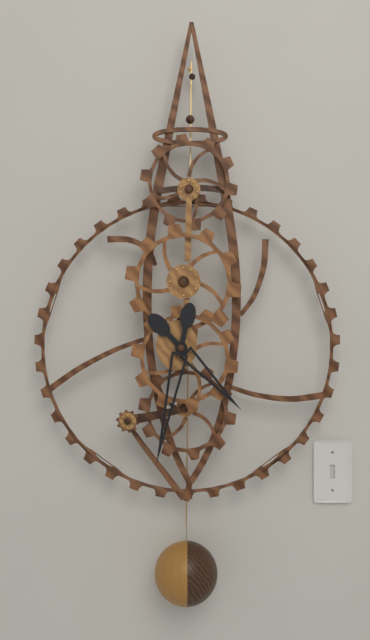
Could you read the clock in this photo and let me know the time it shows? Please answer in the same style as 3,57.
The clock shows 4,32
